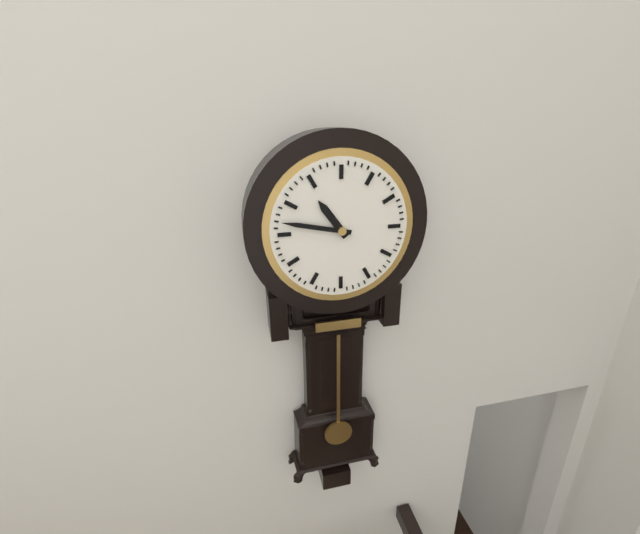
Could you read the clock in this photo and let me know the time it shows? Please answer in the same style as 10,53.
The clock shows 10,47
